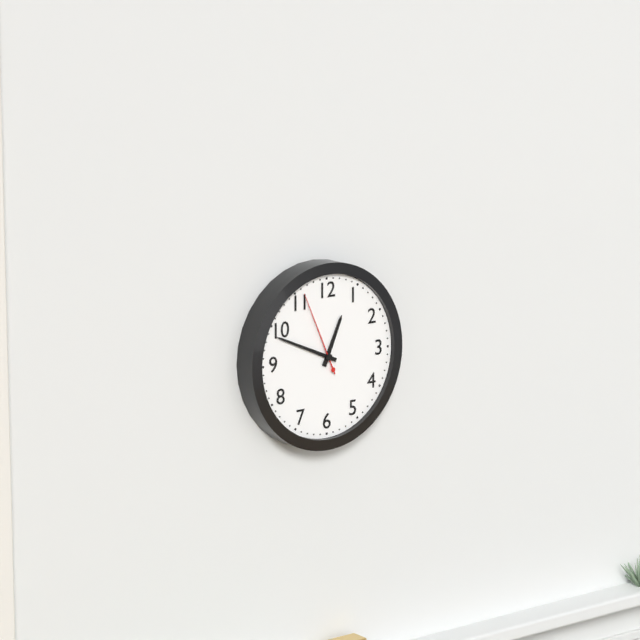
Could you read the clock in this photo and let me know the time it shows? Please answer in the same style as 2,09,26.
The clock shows 12,49,56
